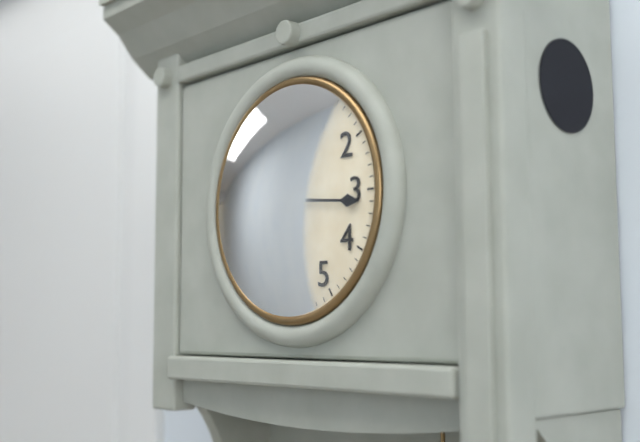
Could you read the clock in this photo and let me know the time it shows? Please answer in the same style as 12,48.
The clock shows 9,16
